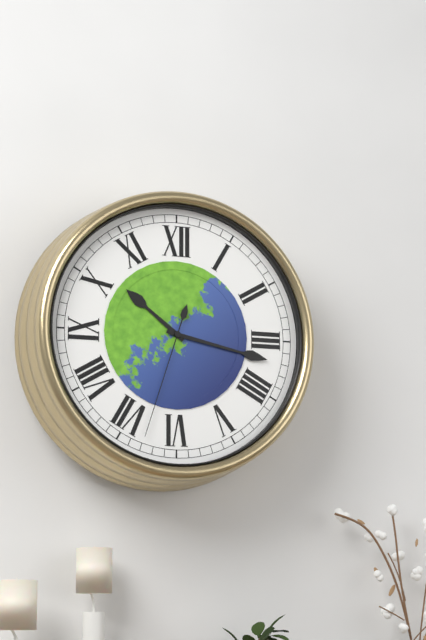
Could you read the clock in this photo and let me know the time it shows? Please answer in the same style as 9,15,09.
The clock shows 10,17,33
